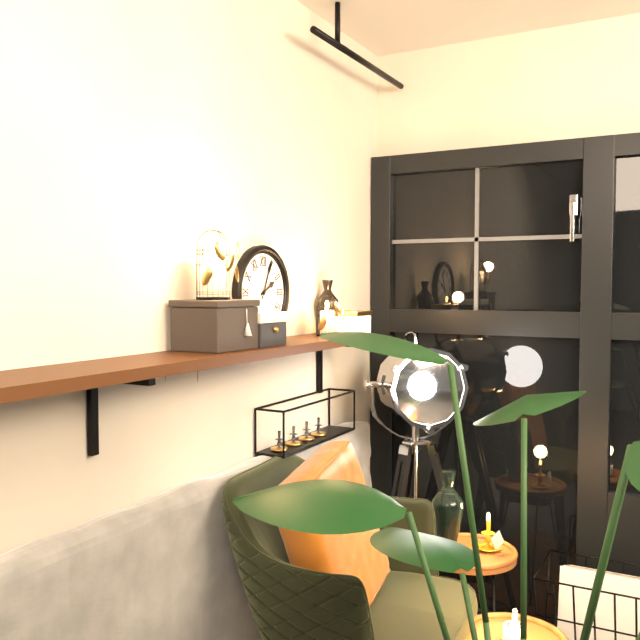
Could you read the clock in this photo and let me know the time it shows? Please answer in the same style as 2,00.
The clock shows 2,04
